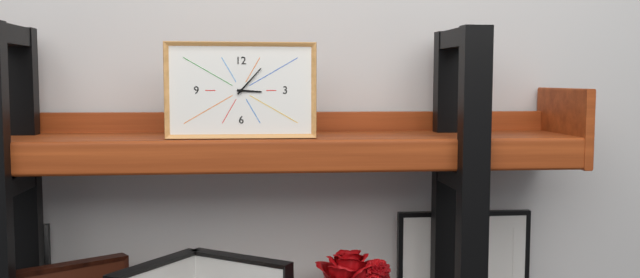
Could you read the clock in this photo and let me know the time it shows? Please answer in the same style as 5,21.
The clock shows 3,07
